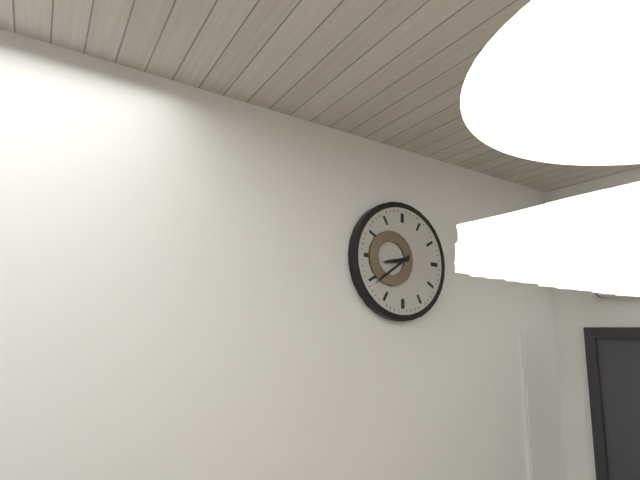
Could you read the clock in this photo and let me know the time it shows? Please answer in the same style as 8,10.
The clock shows 8,39
